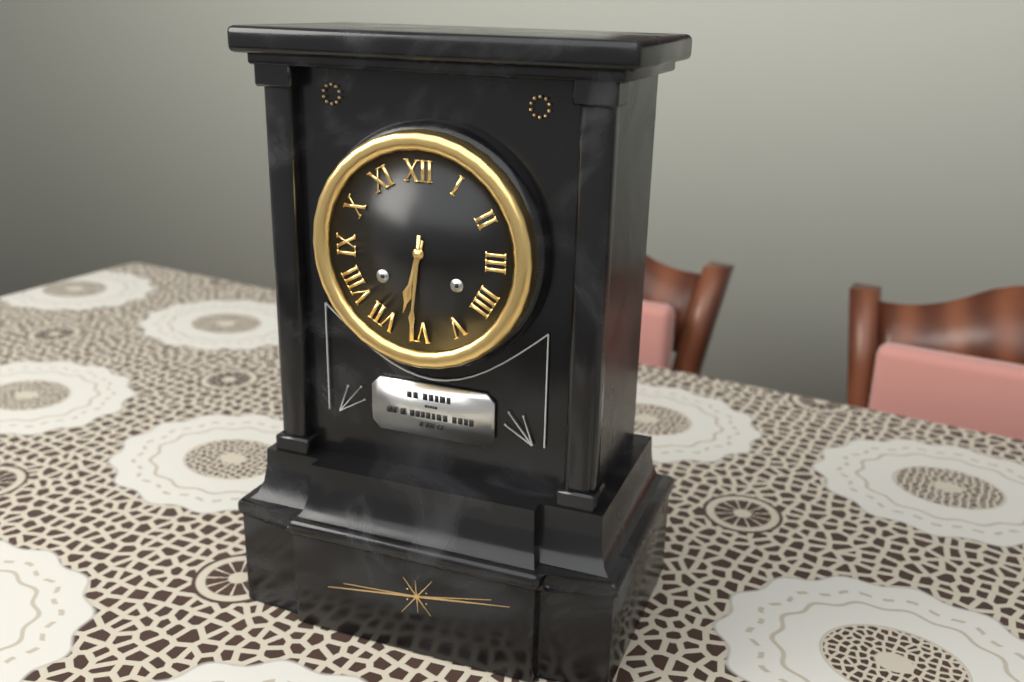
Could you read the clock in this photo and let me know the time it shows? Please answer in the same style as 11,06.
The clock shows 6,31
